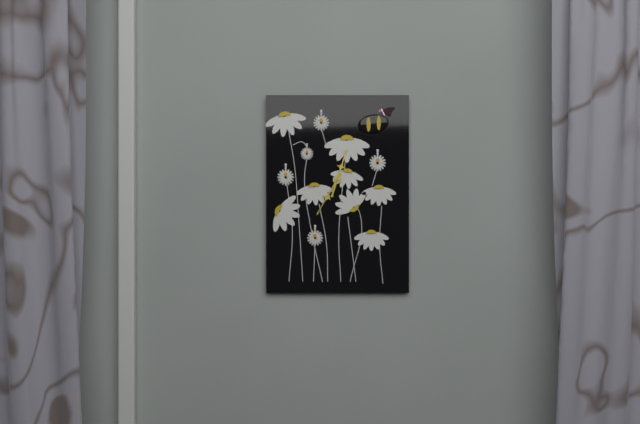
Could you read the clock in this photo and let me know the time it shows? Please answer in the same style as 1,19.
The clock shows 12,35
